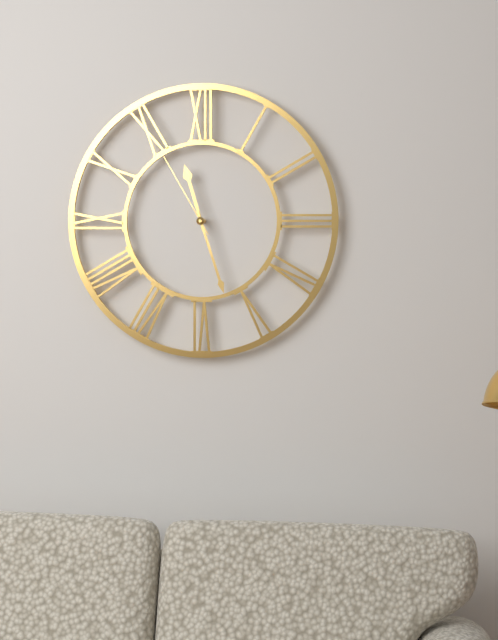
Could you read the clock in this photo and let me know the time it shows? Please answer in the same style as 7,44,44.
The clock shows 11,27,55
